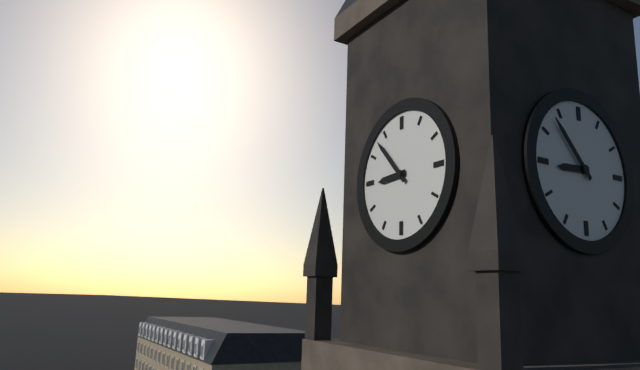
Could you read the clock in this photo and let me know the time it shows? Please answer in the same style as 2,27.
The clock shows 8,53
